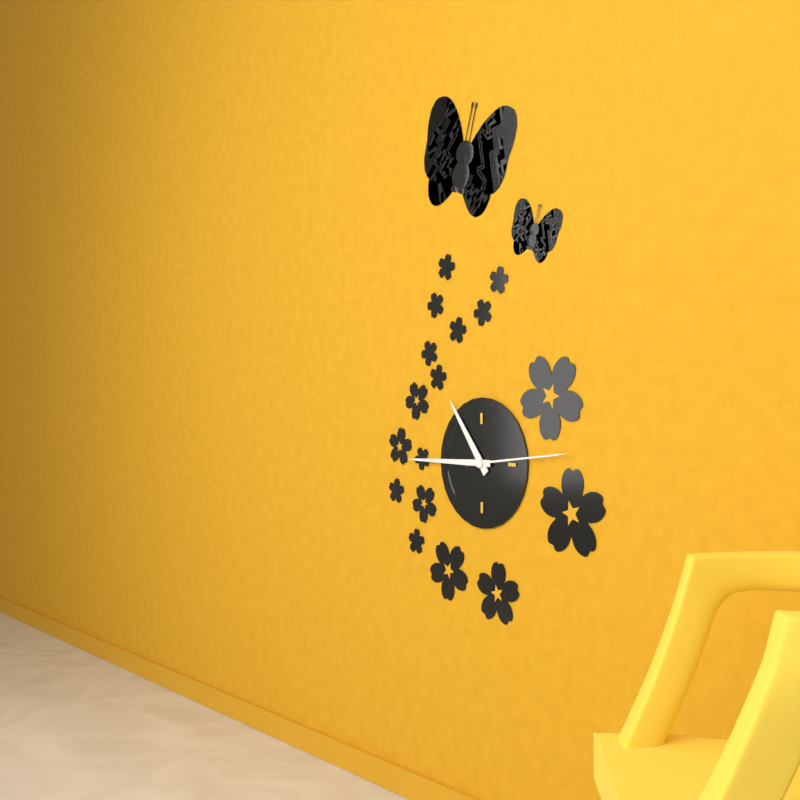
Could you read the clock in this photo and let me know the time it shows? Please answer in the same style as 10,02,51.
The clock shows 10,45,14
